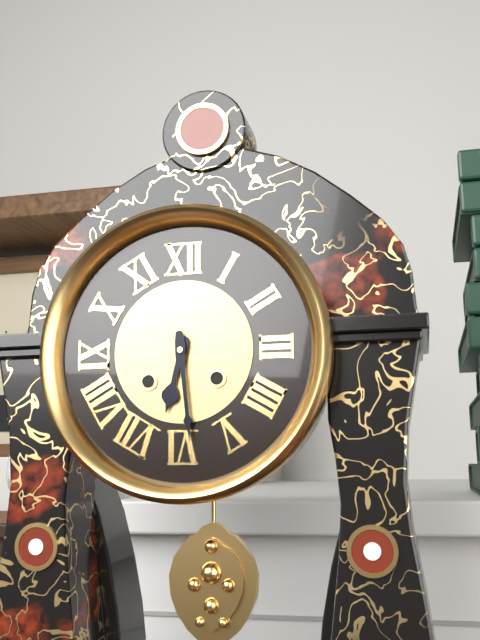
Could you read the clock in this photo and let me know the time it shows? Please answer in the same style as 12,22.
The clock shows 6,29
